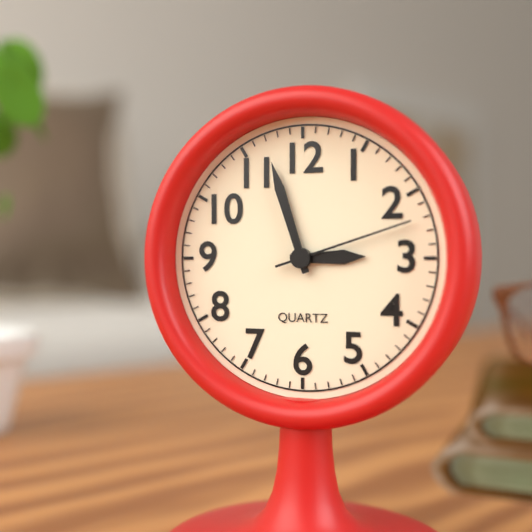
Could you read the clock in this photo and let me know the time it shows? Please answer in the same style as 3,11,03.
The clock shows 2,57,12
